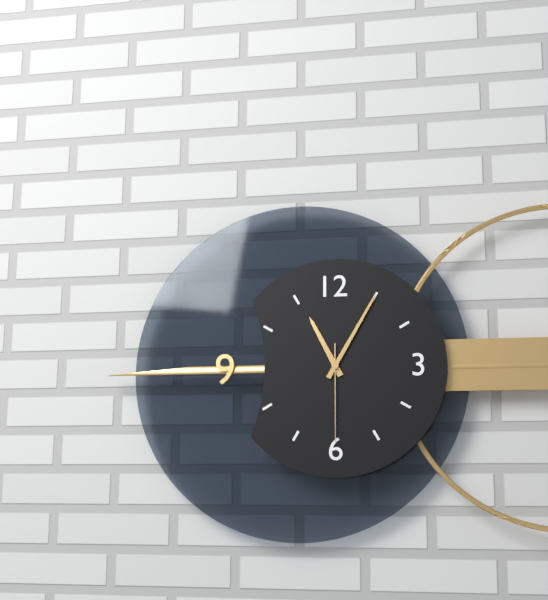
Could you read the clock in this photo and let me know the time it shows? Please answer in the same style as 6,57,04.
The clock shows 11,05,30
